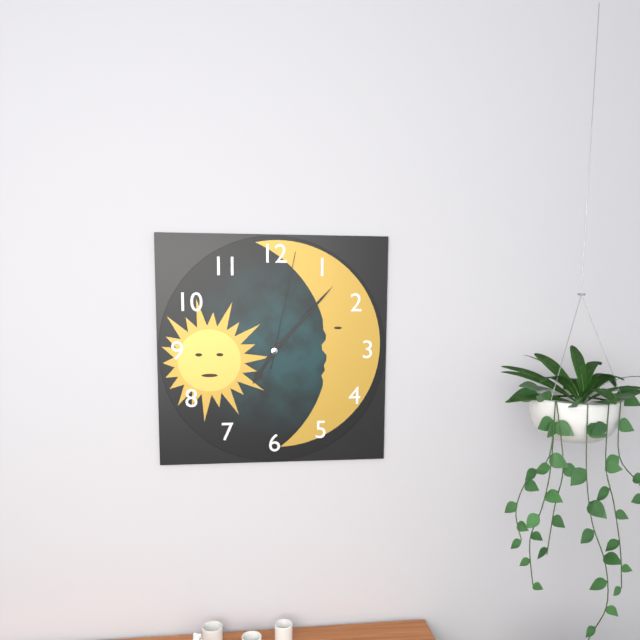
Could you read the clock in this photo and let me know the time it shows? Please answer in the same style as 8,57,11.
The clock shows 7,07,02
